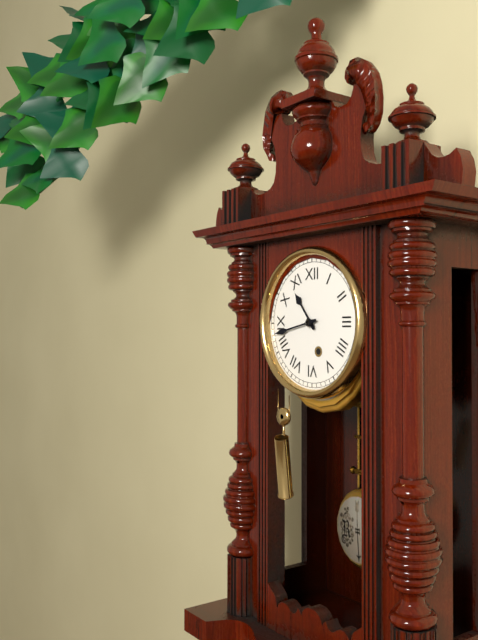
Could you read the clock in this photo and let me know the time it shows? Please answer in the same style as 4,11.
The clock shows 10,43
